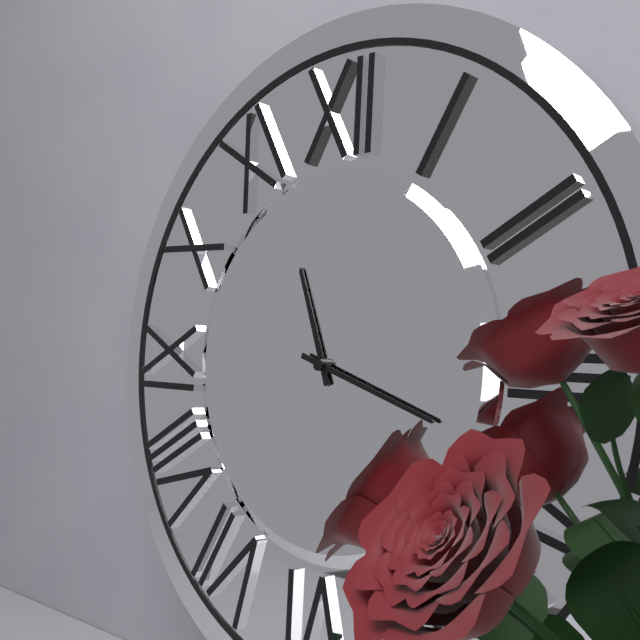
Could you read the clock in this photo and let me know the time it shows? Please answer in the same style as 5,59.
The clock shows 11,18
